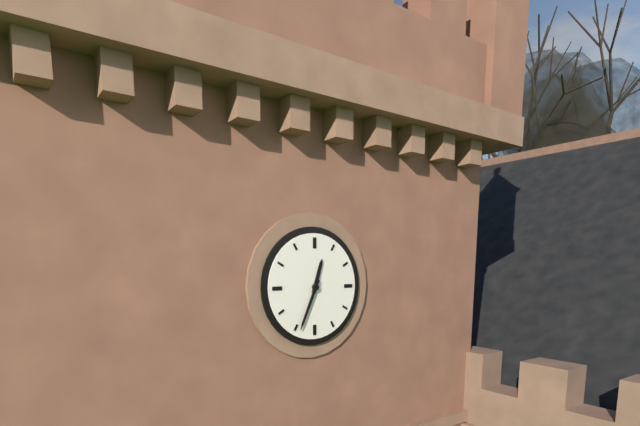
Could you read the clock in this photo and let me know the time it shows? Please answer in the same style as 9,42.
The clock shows 12,34
